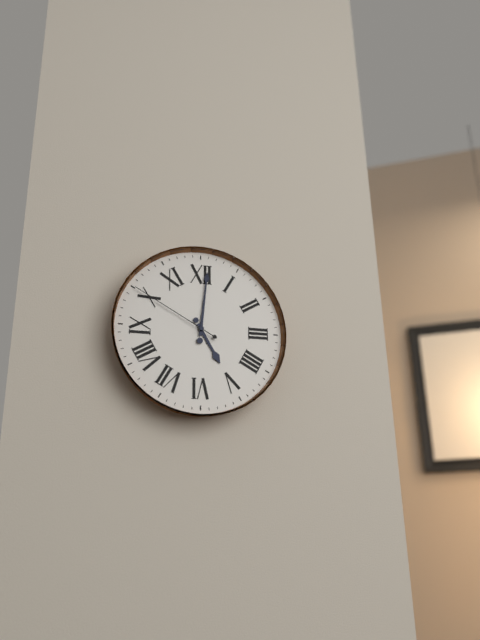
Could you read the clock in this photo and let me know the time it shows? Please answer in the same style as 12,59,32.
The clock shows 5,01,50
